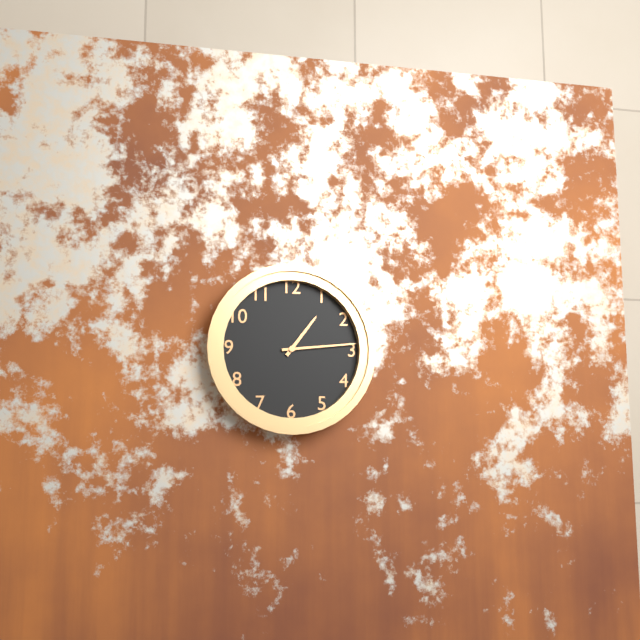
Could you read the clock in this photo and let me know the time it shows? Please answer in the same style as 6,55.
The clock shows 1,14
